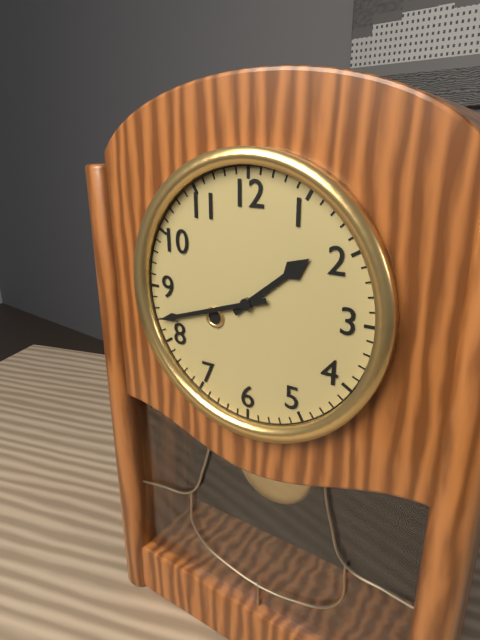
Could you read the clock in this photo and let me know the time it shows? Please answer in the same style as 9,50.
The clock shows 1,42
